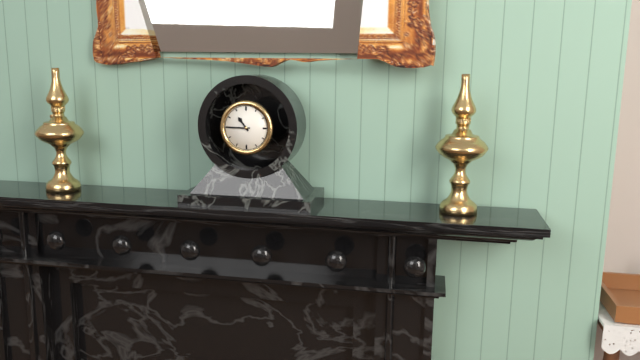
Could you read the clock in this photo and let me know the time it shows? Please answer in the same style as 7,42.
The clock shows 10,45
